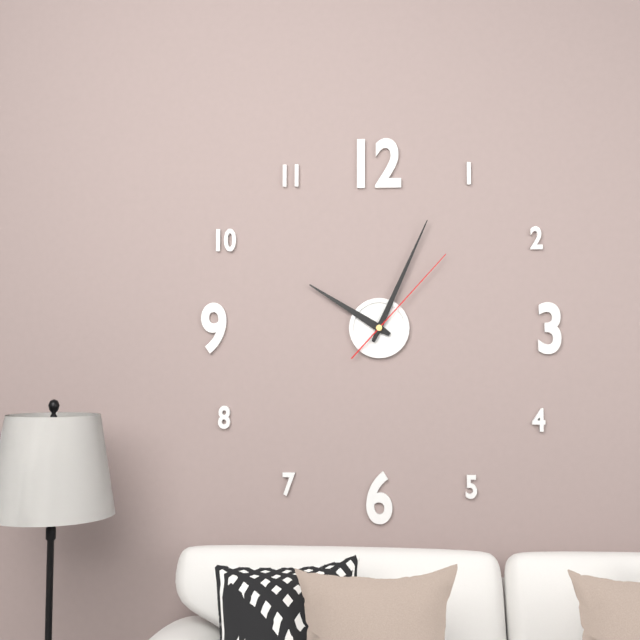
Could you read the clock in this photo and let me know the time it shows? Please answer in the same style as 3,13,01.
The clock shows 10,04,07
